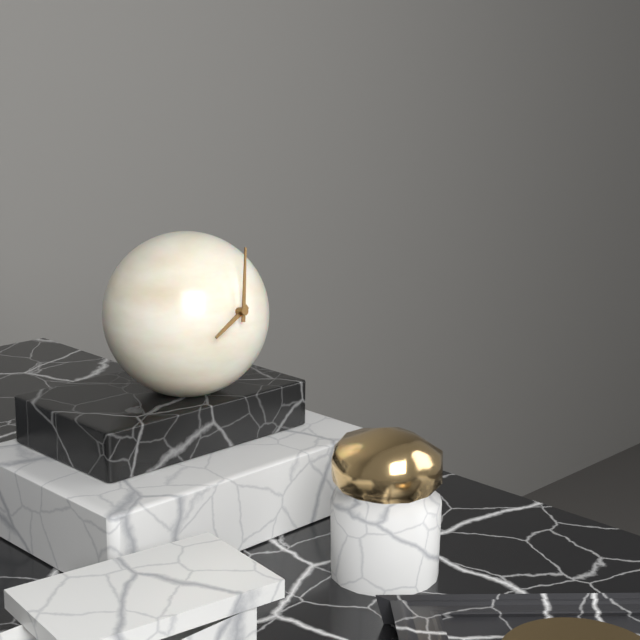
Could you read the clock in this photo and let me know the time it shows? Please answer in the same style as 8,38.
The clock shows 8,02
